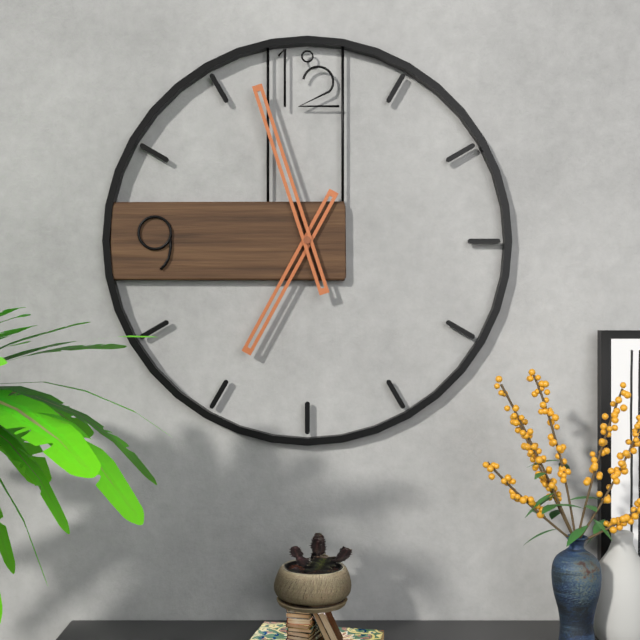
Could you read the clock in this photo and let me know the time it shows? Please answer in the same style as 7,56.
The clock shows 6,57
